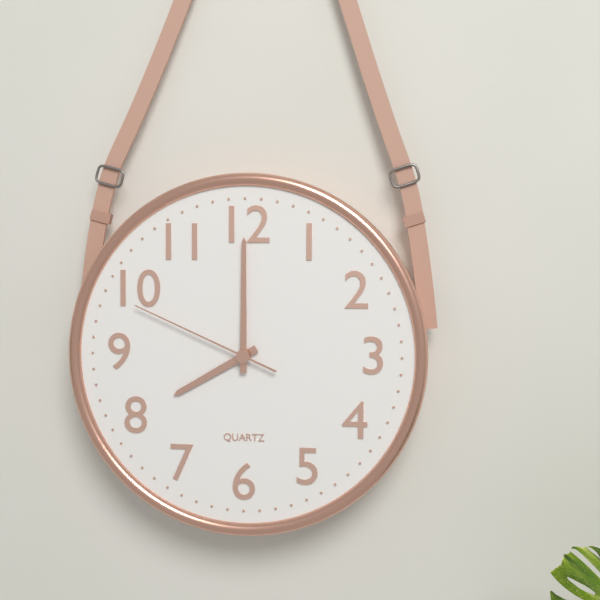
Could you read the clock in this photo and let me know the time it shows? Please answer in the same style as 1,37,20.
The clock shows 8,00,49
